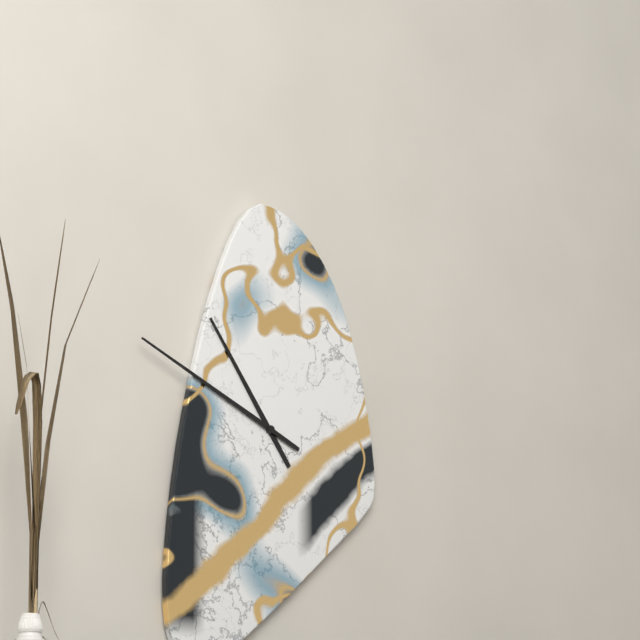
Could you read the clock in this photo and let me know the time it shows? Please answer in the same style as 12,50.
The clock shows 10,49
